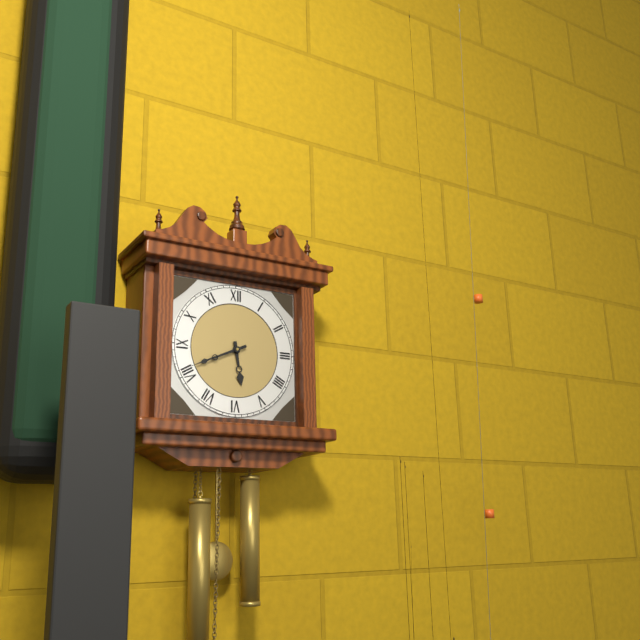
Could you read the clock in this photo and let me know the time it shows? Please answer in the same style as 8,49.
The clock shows 5,41
